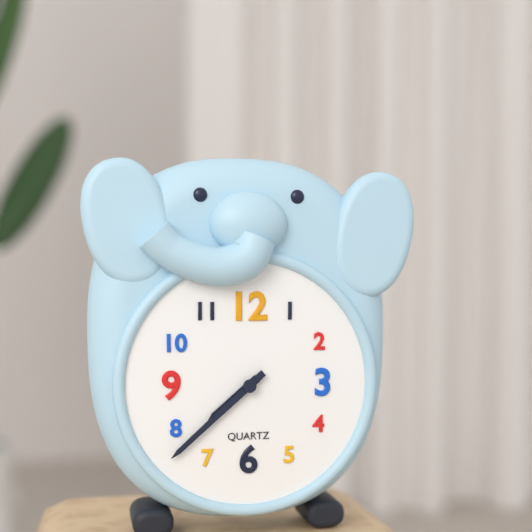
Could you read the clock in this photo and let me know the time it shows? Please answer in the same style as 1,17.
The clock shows 7,38
